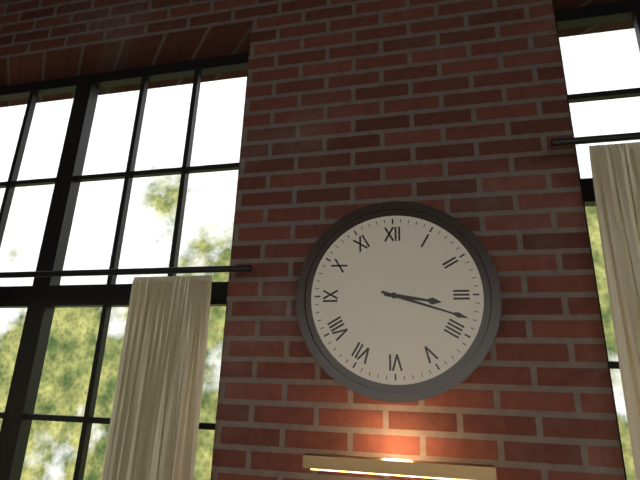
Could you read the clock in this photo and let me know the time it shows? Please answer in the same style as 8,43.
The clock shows 3,18
